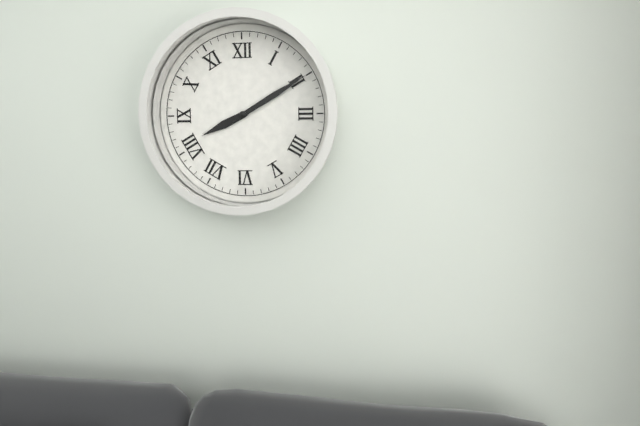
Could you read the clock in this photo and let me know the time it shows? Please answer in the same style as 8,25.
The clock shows 8,10
